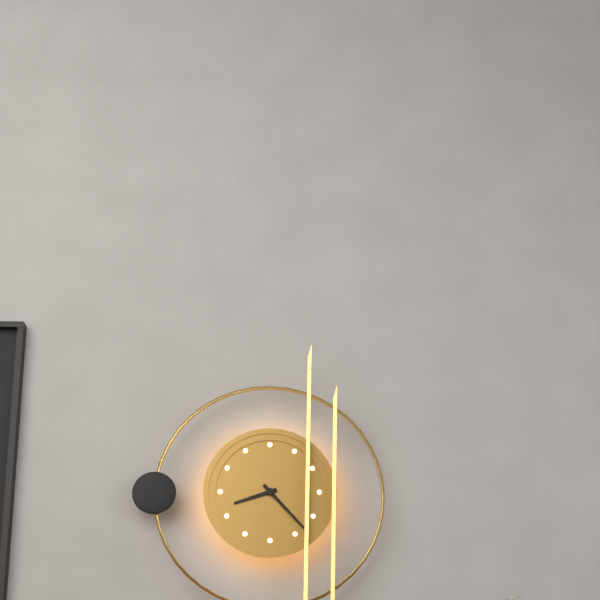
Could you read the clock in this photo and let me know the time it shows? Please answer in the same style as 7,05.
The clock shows 8,23
